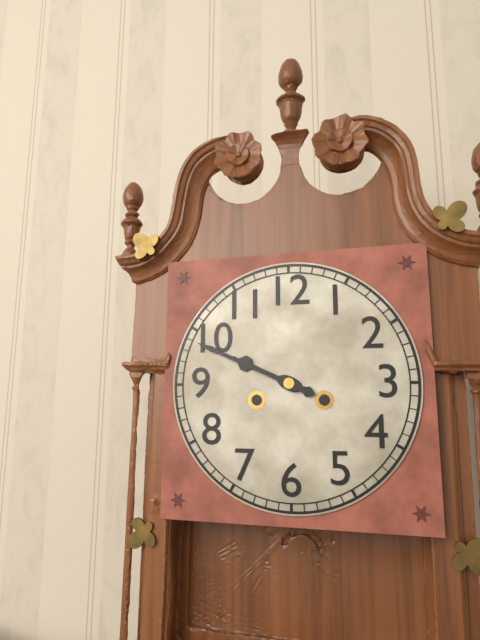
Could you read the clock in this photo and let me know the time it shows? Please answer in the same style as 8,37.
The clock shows 9,49
